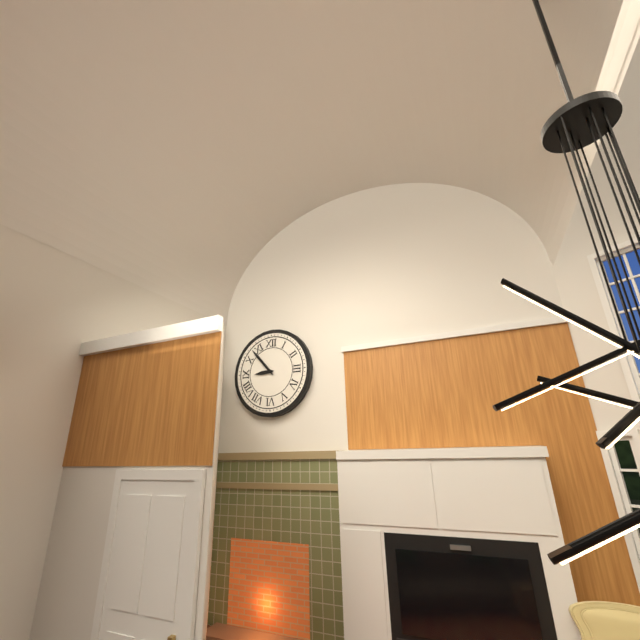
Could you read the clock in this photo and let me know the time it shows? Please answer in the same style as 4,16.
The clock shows 8,53
